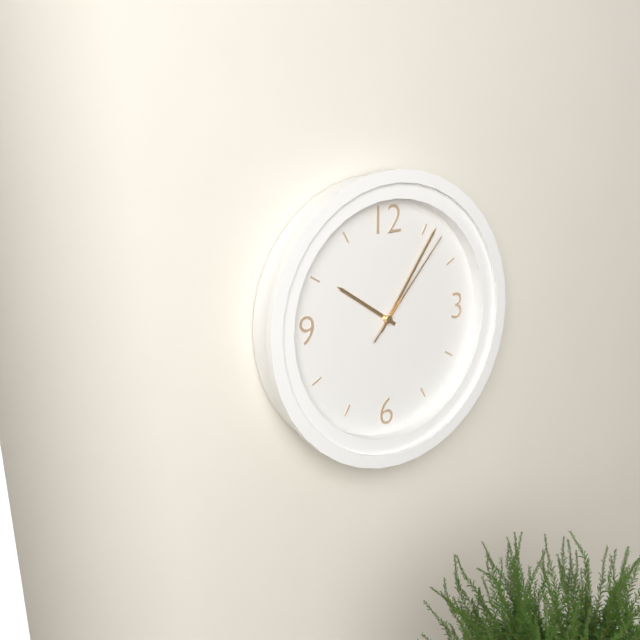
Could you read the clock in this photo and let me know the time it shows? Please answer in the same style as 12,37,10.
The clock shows 10,06,07
